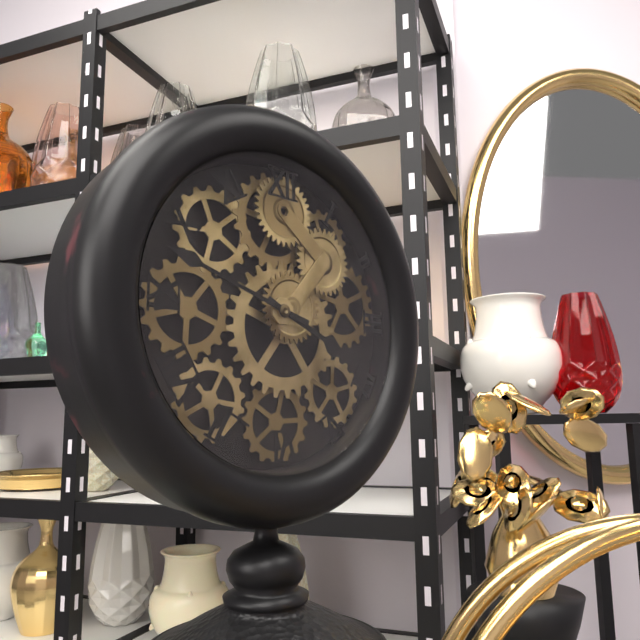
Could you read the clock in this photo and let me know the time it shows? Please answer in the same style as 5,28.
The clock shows 3,48
